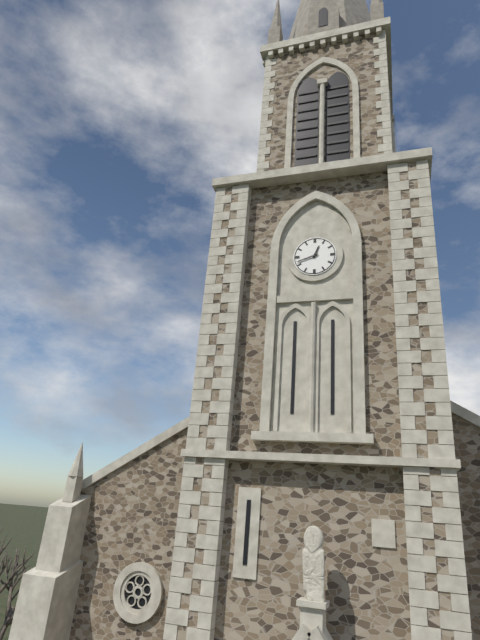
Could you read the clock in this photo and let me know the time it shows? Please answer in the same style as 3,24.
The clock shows 12,42
